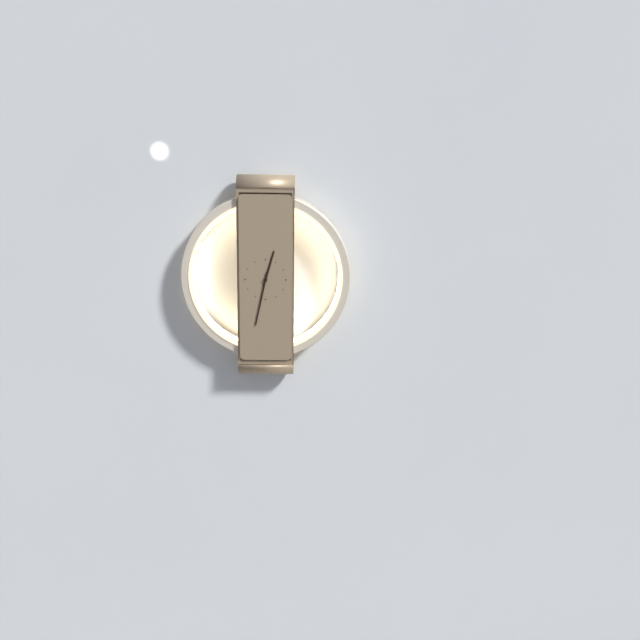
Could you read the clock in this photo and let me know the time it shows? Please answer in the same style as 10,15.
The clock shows 12,32
